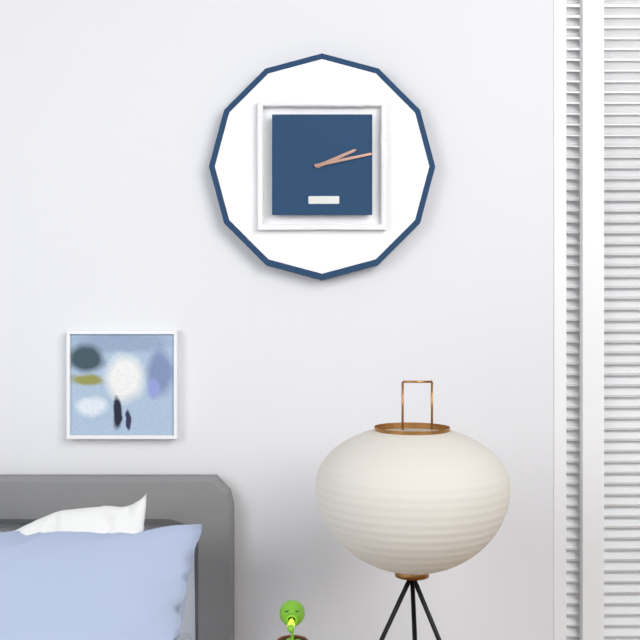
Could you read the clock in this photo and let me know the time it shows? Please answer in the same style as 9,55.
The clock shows 2,13
